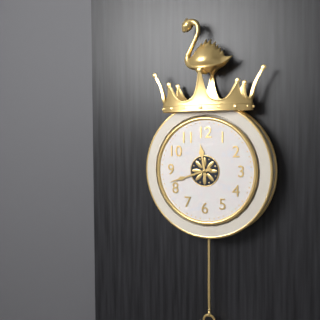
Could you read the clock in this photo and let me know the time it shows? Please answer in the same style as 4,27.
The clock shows 11,42
